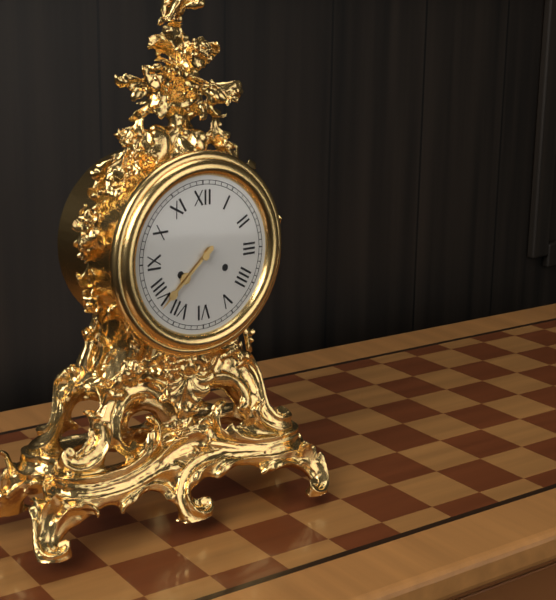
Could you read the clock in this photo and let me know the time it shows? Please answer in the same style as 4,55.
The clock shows 7,38
